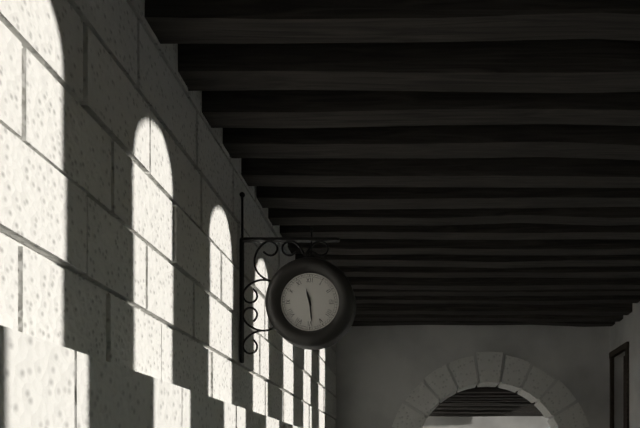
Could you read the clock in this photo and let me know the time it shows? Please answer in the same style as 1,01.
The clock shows 11,29
